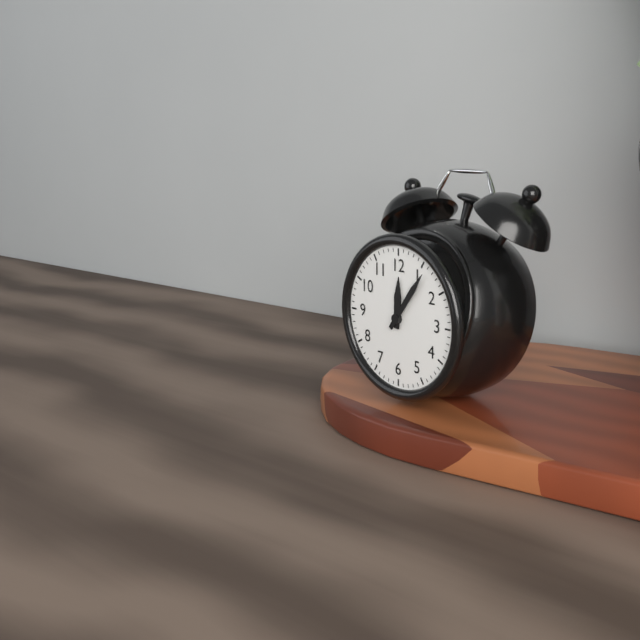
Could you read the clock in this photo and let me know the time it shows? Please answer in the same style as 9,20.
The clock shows 12,06
